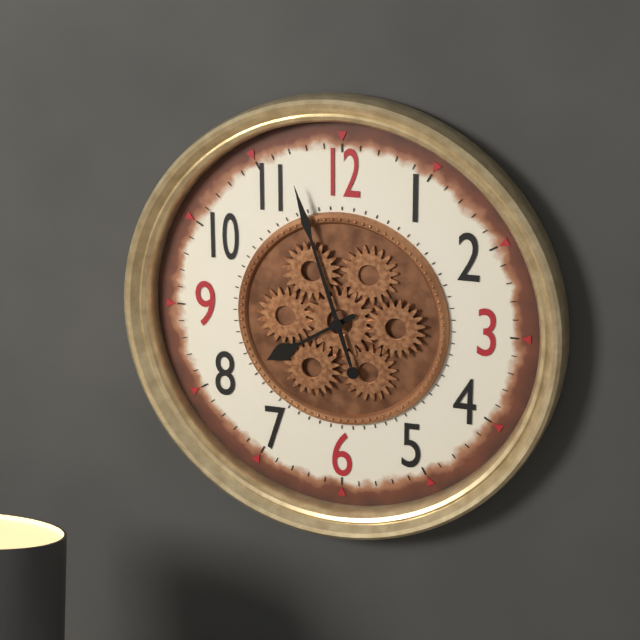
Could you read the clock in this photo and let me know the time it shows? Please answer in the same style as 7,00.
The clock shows 7,57
